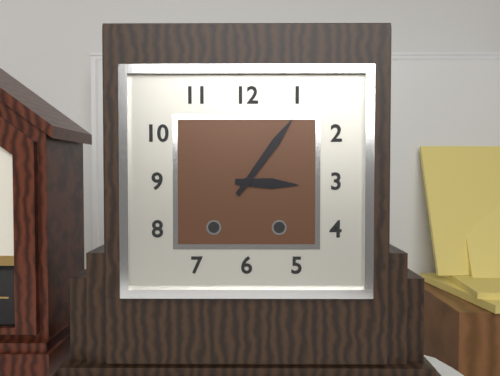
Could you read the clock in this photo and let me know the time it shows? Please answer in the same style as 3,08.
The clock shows 3,06
